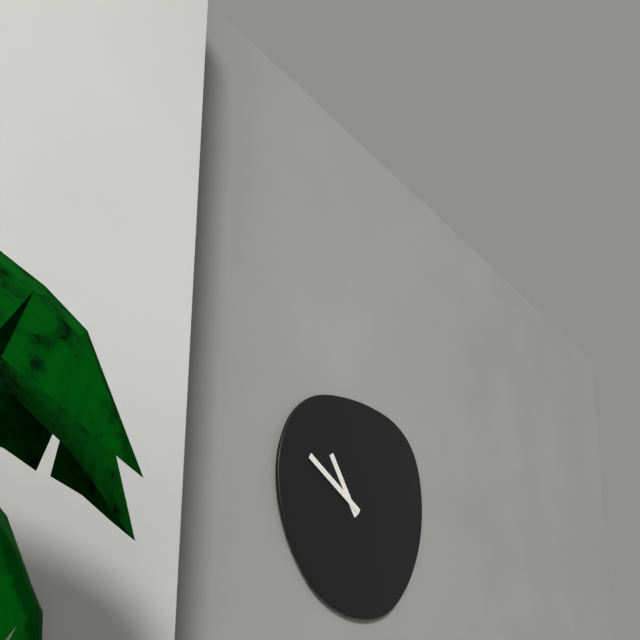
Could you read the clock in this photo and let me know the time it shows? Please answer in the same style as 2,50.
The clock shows 10,50
